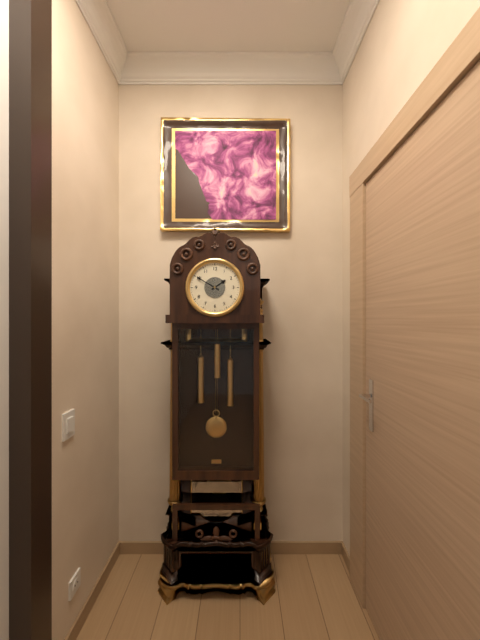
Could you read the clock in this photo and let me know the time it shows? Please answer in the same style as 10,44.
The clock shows 1,50
